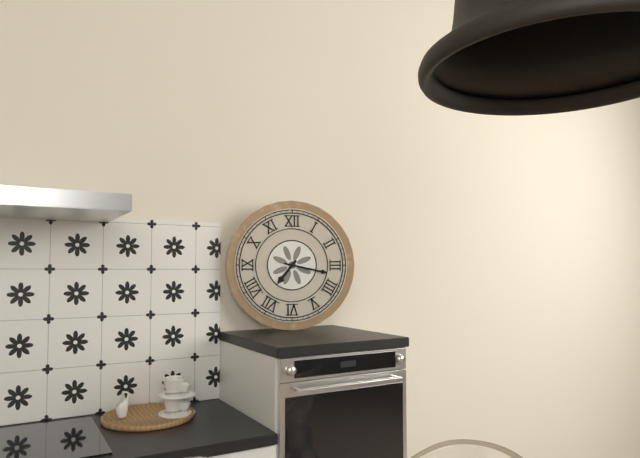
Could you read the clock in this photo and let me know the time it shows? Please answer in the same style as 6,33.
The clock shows 7,17
